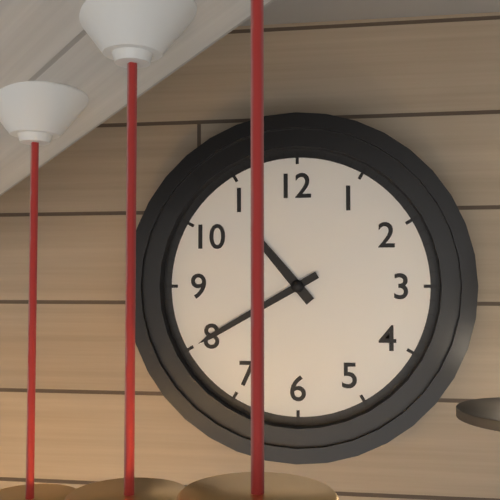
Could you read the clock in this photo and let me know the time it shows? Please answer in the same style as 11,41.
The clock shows 10,40
